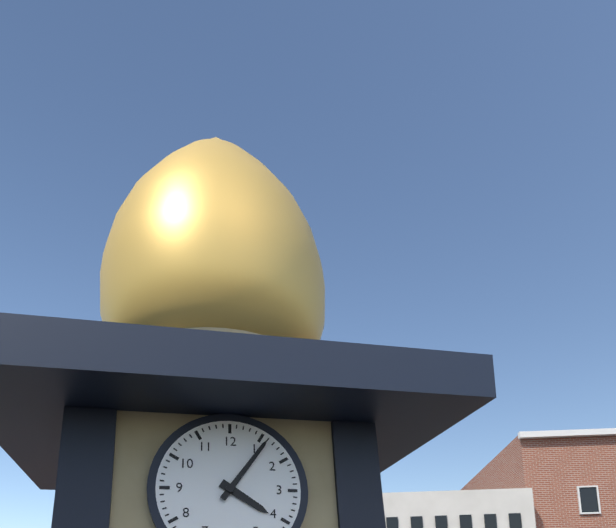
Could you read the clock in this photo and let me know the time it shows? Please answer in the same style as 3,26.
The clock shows 4,06
